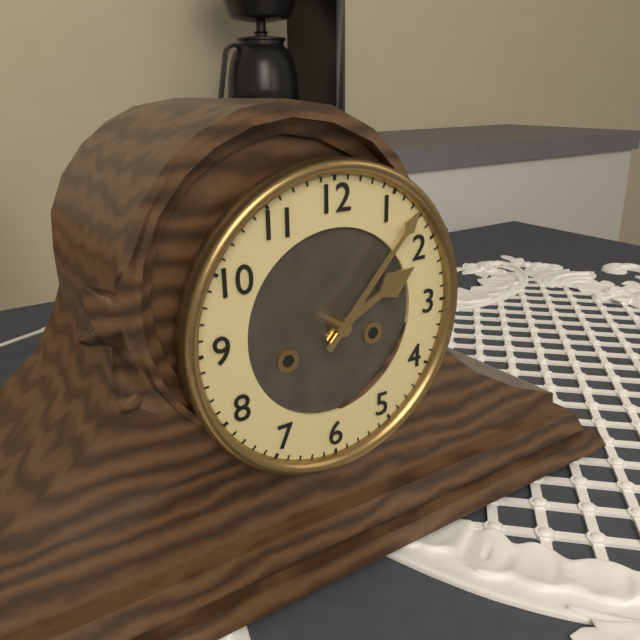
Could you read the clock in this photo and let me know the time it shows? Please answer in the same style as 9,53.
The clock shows 2,07
